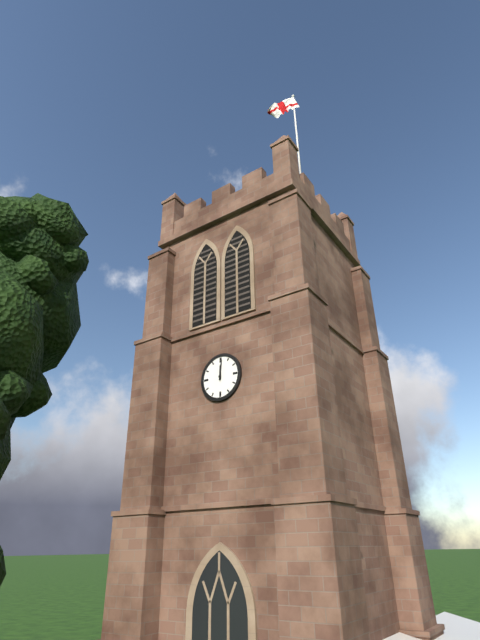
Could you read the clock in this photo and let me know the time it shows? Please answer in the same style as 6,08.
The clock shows 12,01
